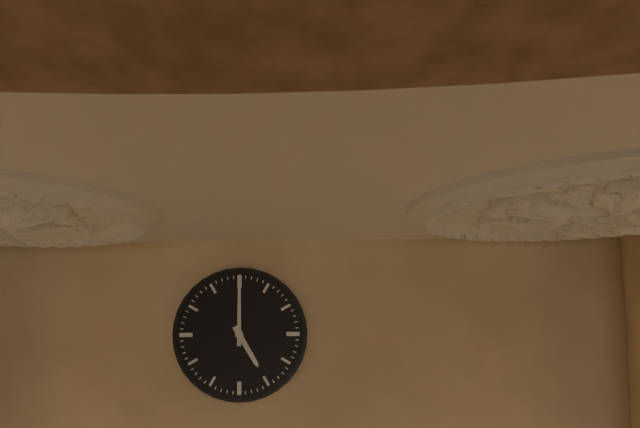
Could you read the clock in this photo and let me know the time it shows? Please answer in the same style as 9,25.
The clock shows 5,00
